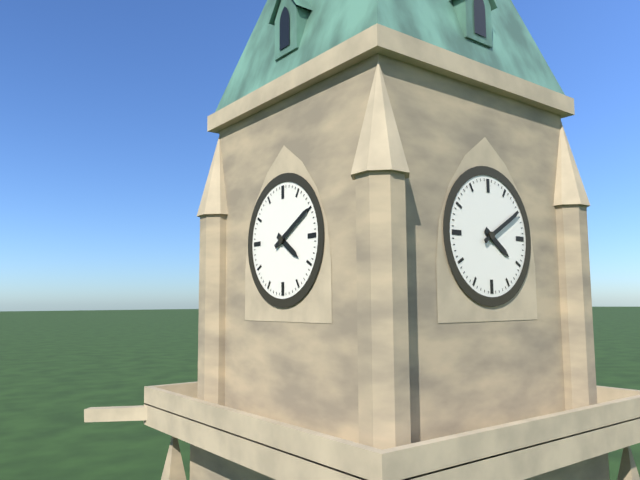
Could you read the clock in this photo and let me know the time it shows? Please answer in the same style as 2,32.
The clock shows 4,10
